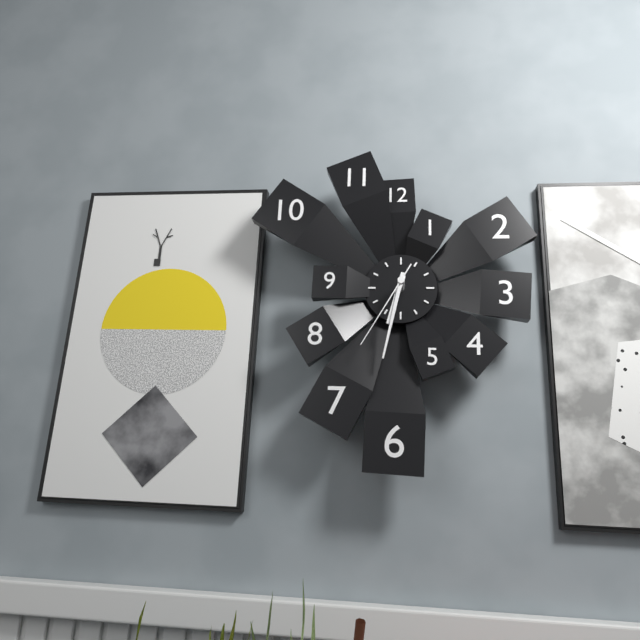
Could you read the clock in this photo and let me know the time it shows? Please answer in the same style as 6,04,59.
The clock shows 6,32,35
